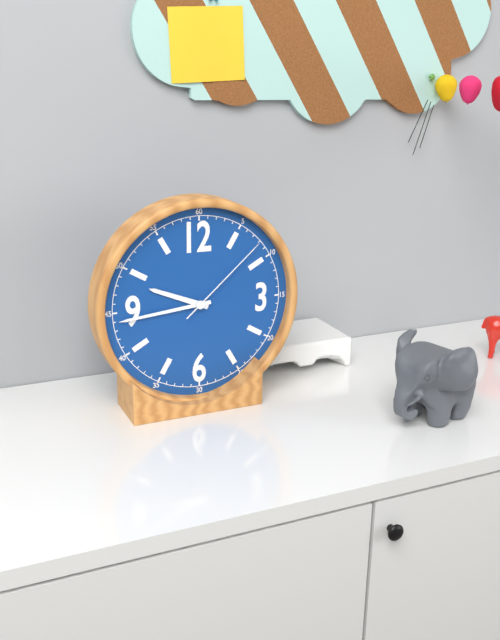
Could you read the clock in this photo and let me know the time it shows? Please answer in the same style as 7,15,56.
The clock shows 9,44,08
